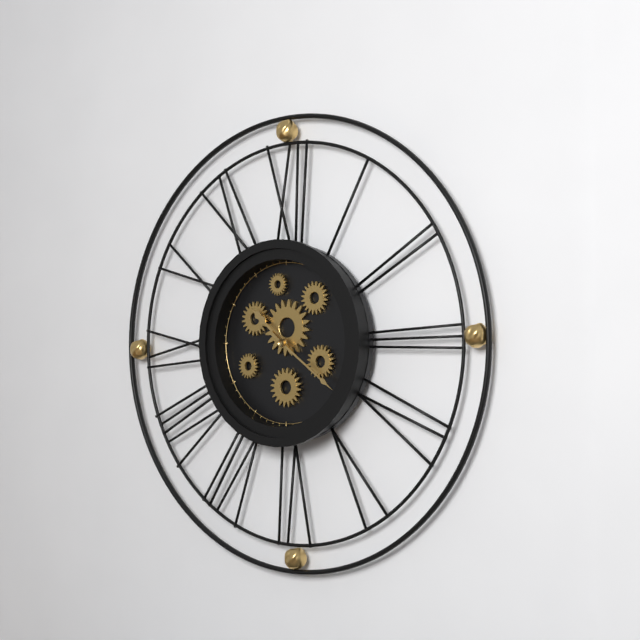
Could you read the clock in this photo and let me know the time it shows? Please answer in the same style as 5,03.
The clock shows 10,21
